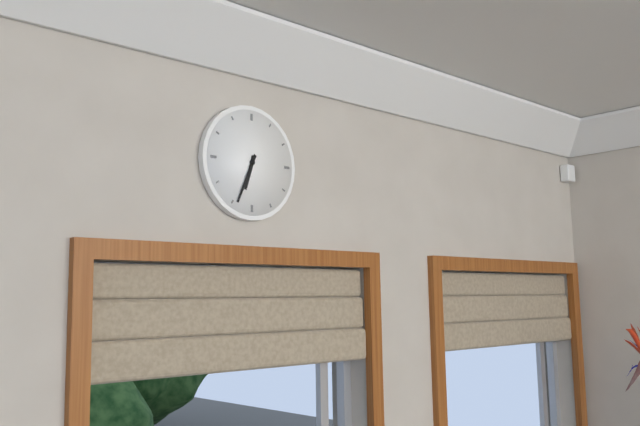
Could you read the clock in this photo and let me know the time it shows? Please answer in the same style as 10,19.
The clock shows 6,34
